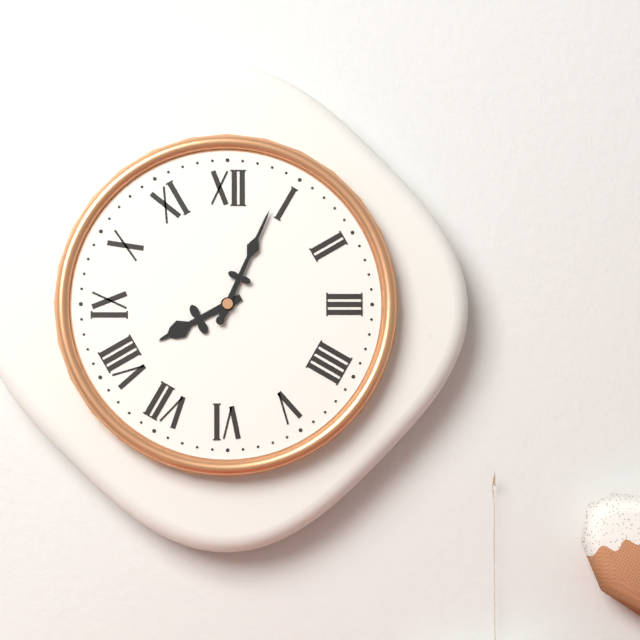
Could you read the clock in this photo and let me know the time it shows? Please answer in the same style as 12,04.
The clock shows 8,04
